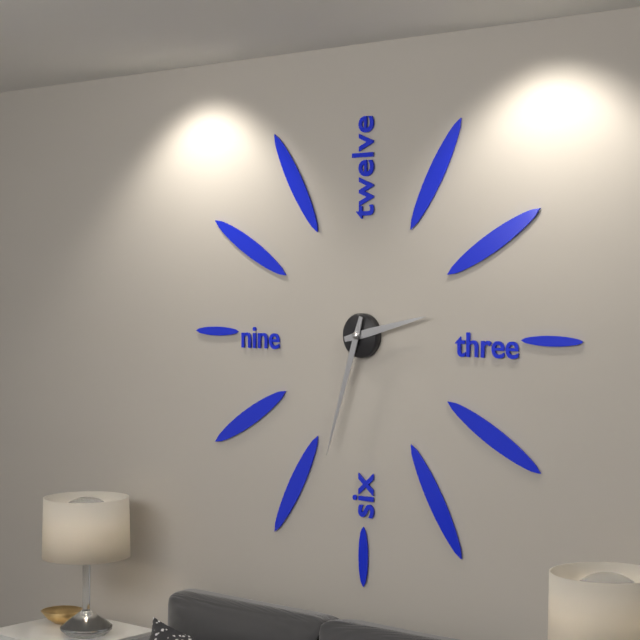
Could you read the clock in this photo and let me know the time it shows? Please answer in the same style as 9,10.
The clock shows 2,33
